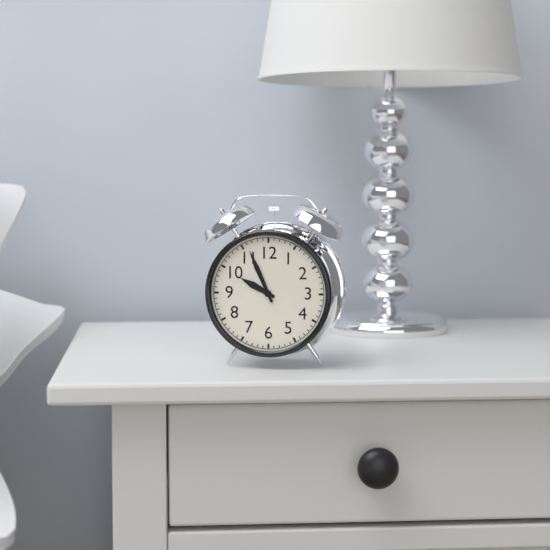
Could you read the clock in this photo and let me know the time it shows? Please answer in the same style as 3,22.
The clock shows 9,56
